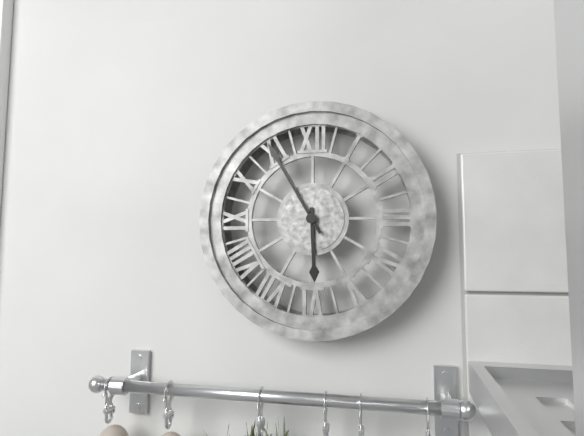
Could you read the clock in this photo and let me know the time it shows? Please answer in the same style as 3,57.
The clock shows 5,55
